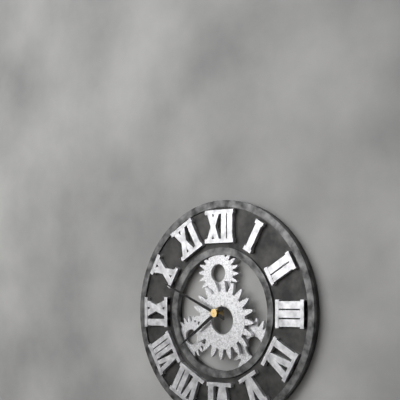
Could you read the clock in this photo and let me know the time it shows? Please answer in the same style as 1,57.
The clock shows 7,49
